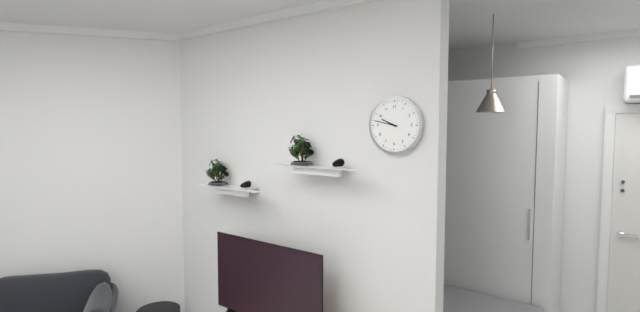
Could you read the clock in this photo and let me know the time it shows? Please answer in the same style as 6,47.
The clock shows 9,47
